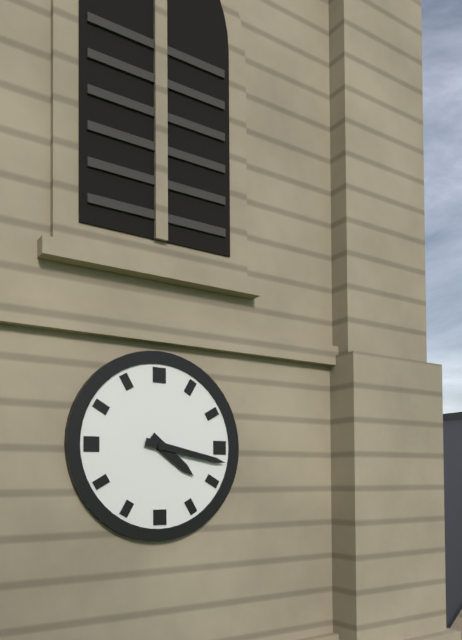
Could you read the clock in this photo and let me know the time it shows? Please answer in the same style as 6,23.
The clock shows 4,17
